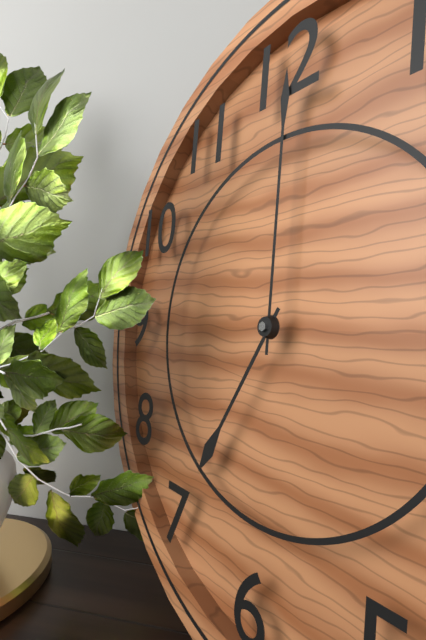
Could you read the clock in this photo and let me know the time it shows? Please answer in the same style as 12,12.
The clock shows 7,00
